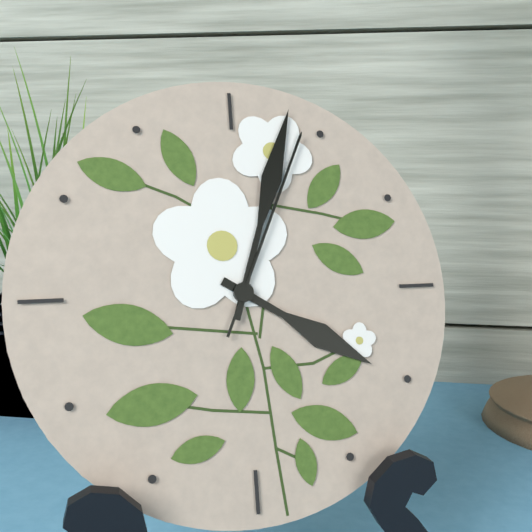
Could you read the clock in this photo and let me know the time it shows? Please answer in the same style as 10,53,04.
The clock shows 4,03,04
